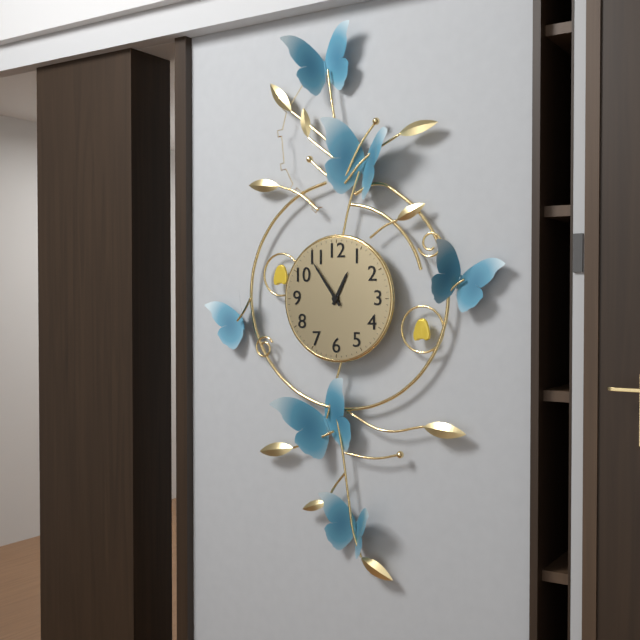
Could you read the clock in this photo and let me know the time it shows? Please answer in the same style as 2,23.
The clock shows 12,54
